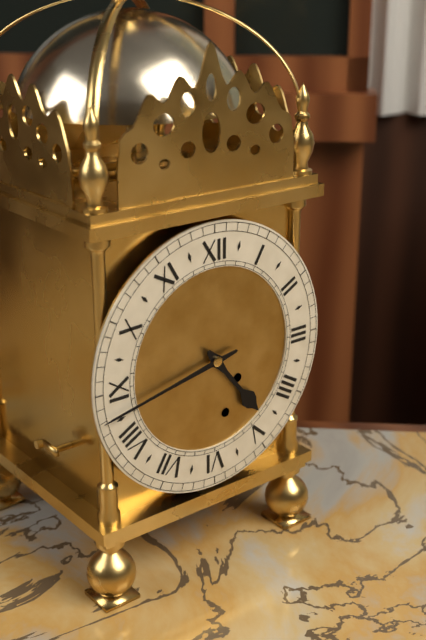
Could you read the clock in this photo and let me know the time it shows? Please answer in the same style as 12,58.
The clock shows 4,43
